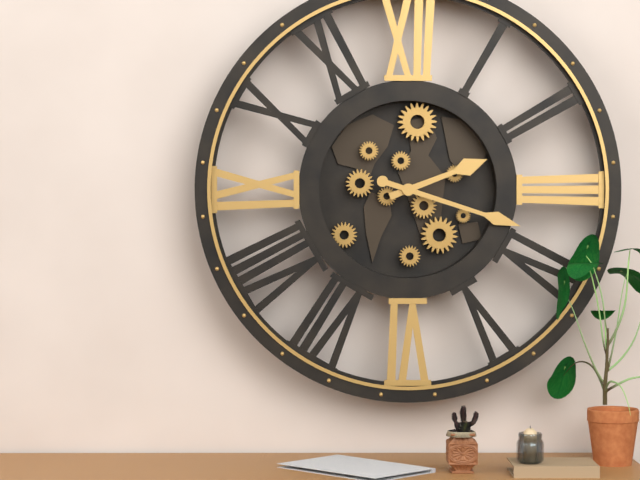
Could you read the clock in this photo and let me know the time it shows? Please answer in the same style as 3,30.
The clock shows 2,18
